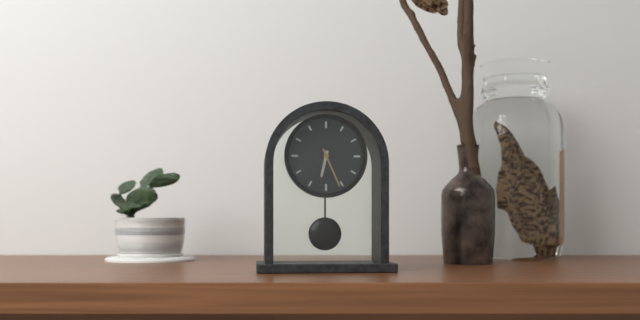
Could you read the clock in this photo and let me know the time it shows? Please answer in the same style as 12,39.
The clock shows 6,26
